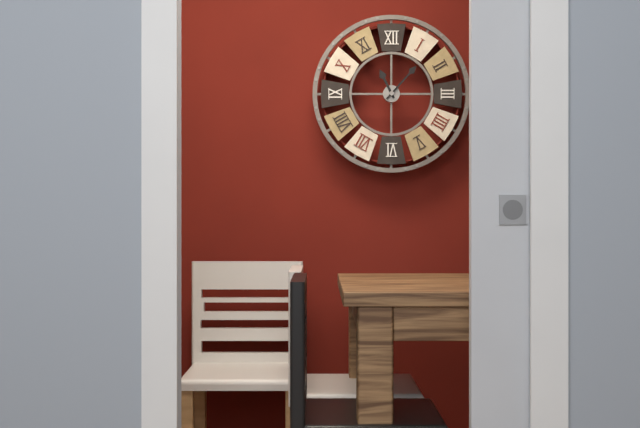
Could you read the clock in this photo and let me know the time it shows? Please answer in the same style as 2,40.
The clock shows 11,07
